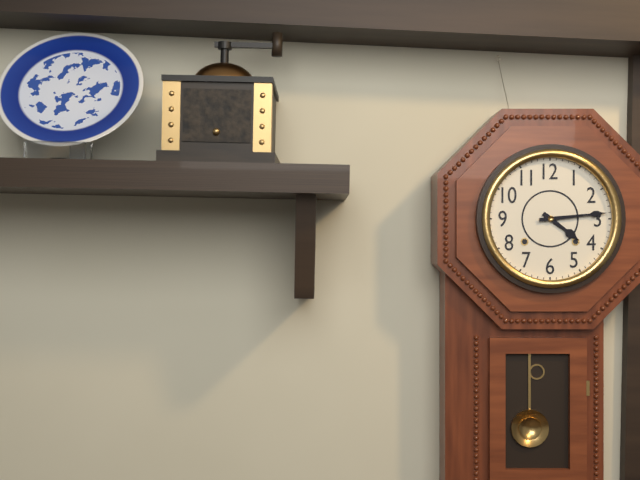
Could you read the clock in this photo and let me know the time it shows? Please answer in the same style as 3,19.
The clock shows 4,14
